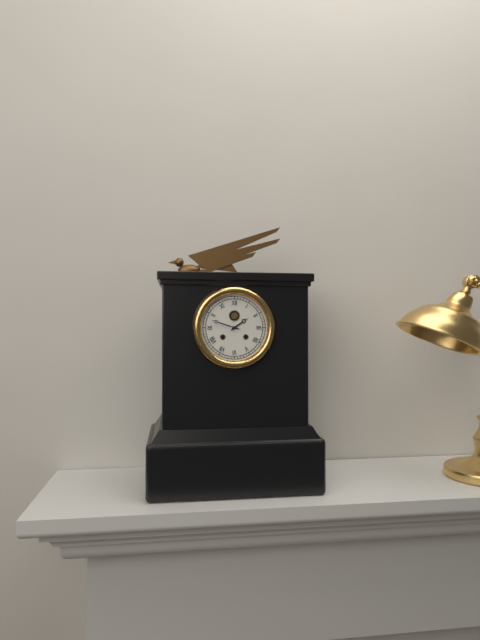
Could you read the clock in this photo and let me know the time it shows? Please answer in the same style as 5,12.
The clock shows 1,48
